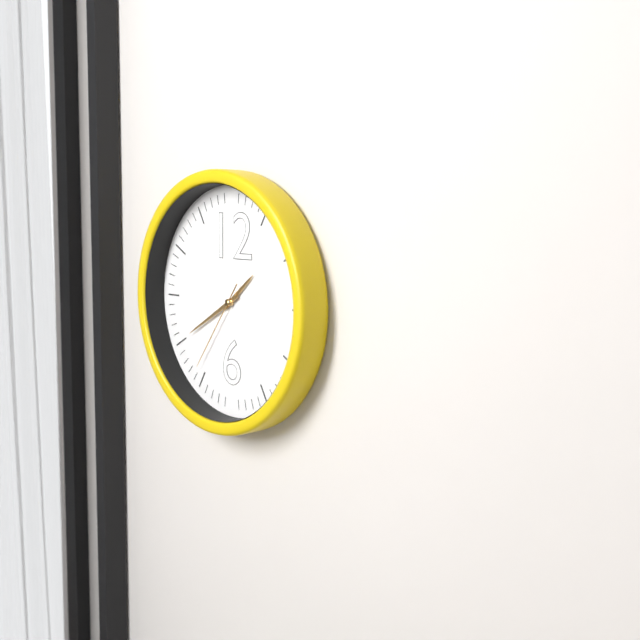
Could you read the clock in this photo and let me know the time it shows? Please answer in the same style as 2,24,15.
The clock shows 1,40,36
